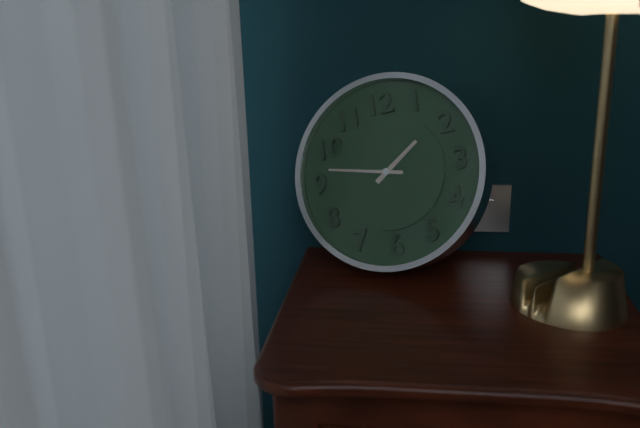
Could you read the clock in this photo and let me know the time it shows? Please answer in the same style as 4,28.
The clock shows 1,47
